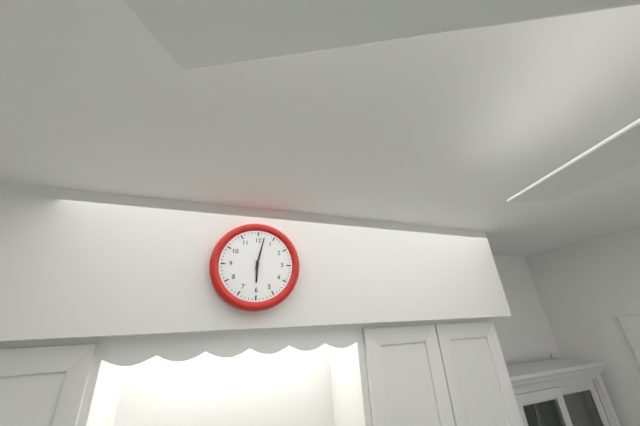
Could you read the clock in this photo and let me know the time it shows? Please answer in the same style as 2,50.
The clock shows 6,02
